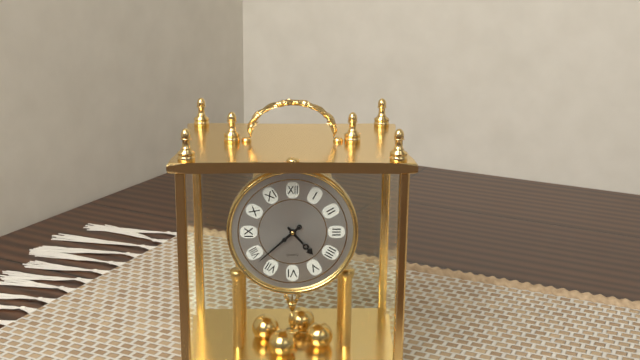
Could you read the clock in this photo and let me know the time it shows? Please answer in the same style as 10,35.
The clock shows 4,38
